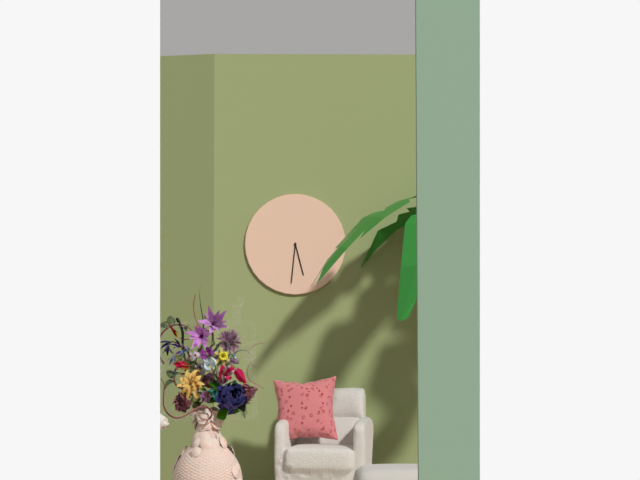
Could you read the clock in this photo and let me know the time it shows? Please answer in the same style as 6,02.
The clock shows 5,31
